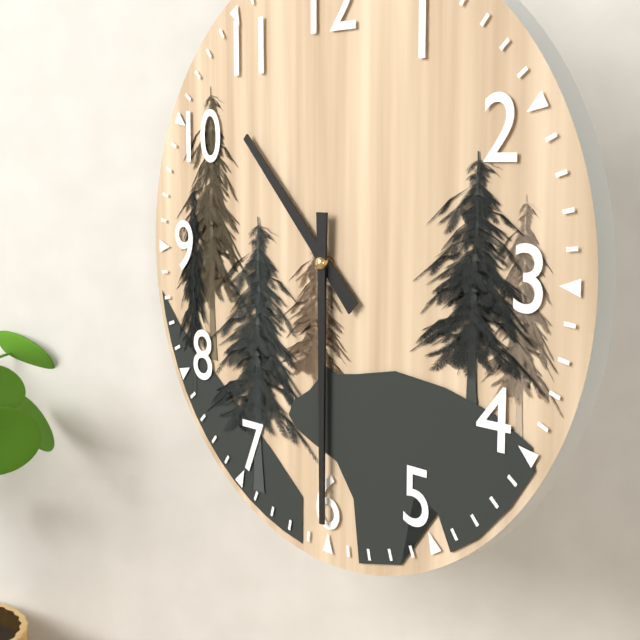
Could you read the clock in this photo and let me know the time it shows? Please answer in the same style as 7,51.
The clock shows 10,30
